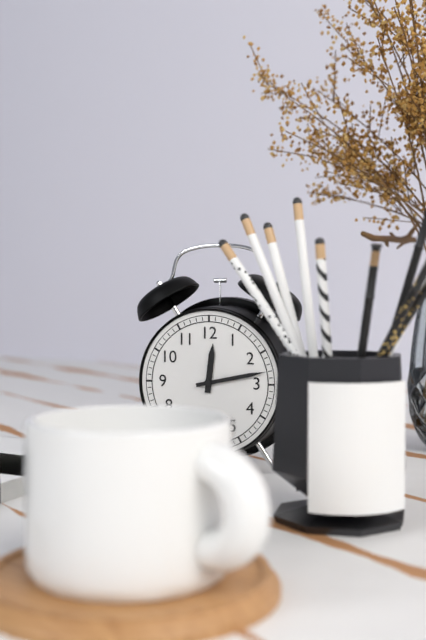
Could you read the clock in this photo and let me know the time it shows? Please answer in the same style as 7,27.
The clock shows 12,13
